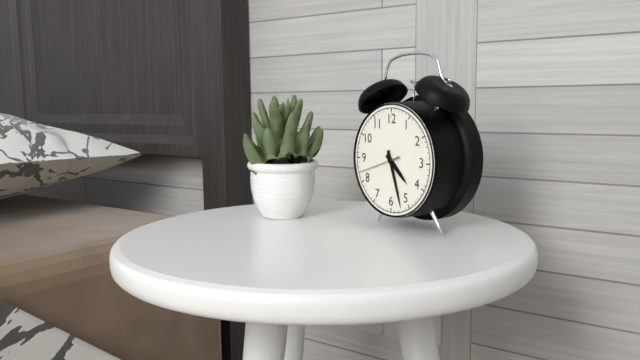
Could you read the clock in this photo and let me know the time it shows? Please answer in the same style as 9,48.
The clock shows 4,27
